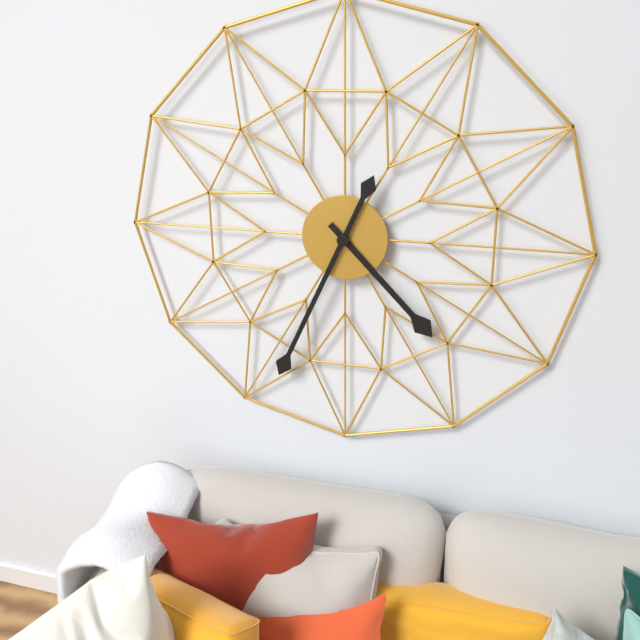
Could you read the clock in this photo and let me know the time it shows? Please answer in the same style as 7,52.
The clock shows 4,34
